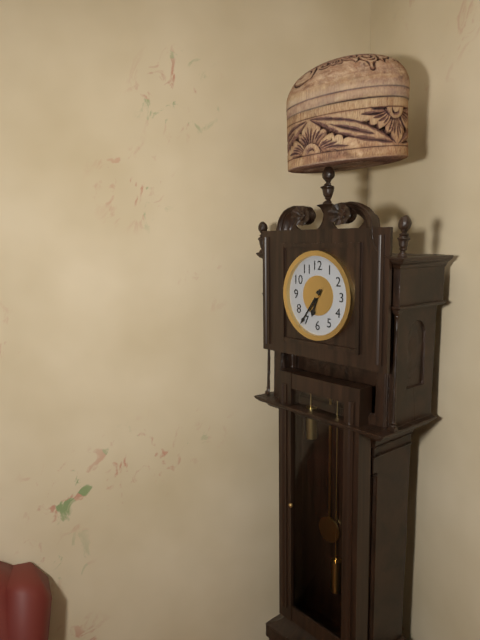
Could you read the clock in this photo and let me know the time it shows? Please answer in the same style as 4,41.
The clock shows 6,36
